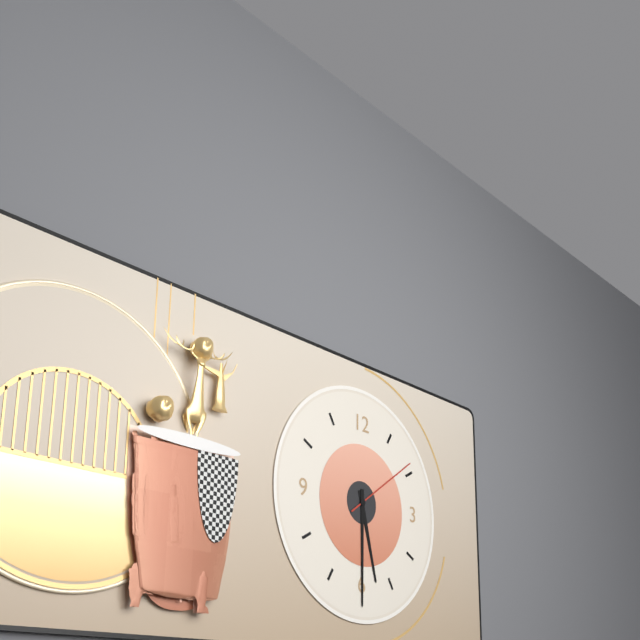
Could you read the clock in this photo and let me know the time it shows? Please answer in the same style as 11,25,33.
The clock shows 5,30,09
